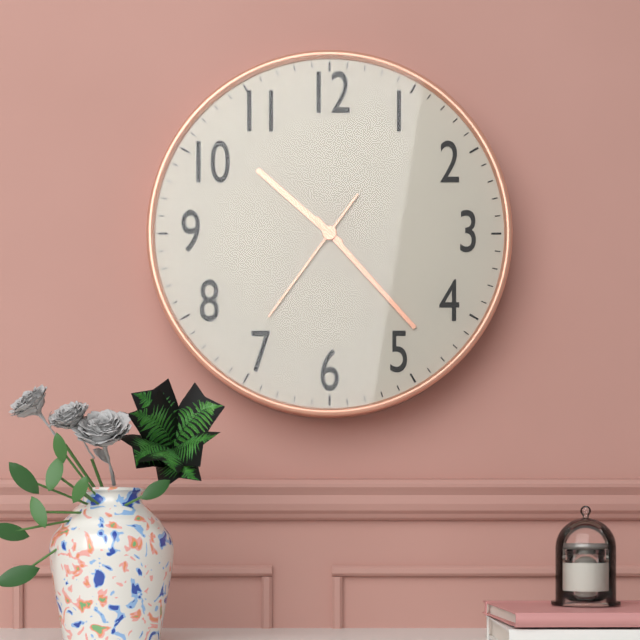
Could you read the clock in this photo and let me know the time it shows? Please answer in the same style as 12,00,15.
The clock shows 10,23,36
